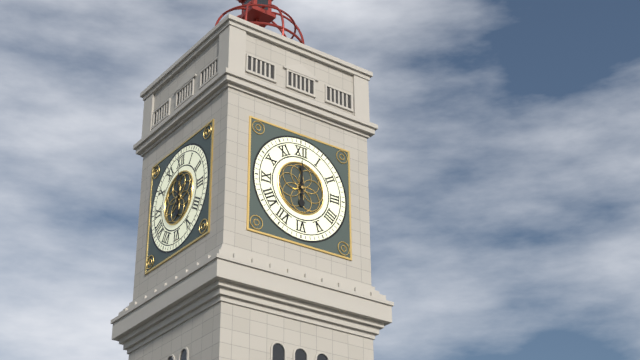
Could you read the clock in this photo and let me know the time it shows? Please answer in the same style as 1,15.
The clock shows 6,00
